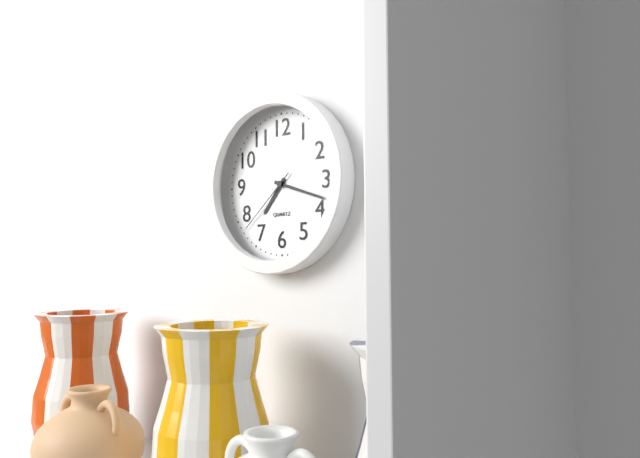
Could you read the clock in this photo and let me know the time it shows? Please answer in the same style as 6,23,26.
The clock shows 7,18,38
